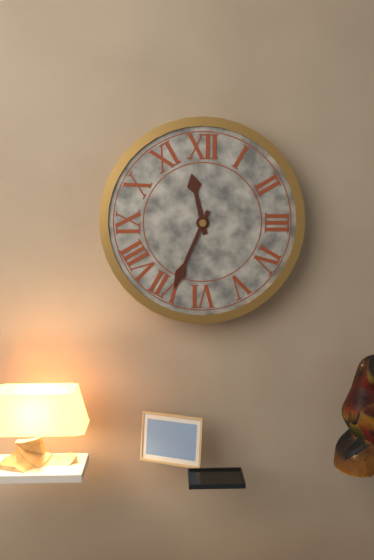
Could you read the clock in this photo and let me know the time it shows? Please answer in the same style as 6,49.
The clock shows 11,34
